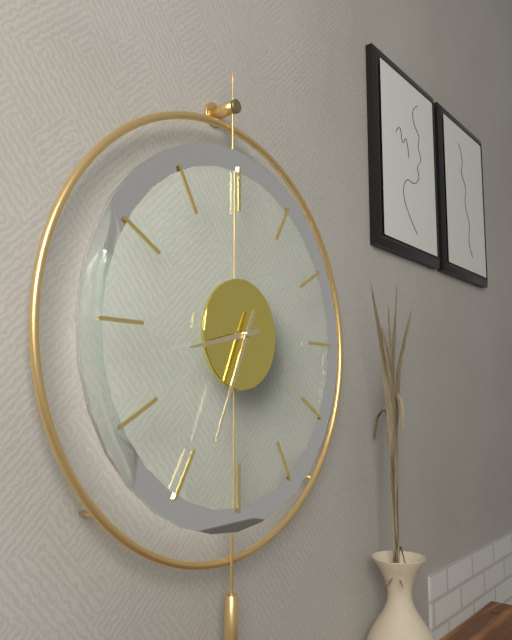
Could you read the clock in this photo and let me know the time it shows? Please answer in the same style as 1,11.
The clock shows 8,34
